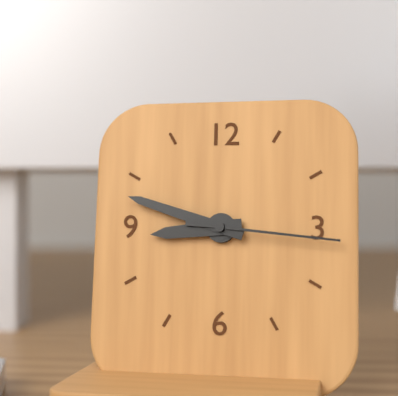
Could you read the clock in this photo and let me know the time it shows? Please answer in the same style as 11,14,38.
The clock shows 8,48,16
